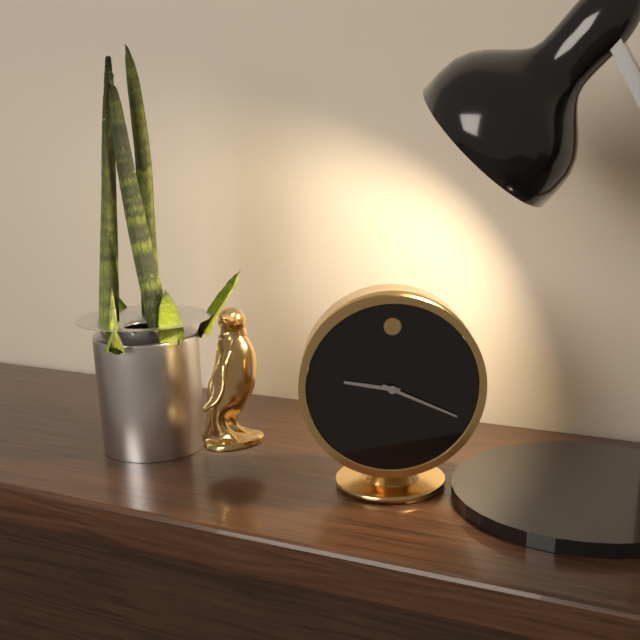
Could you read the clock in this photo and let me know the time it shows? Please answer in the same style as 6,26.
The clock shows 9,19
